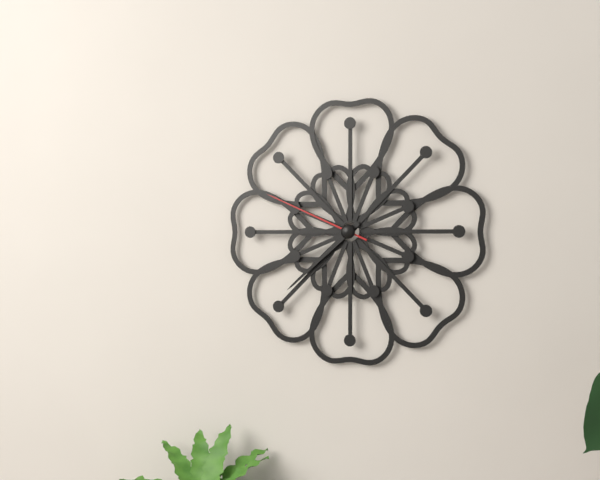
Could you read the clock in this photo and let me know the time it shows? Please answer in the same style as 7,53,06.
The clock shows 7,38,49
